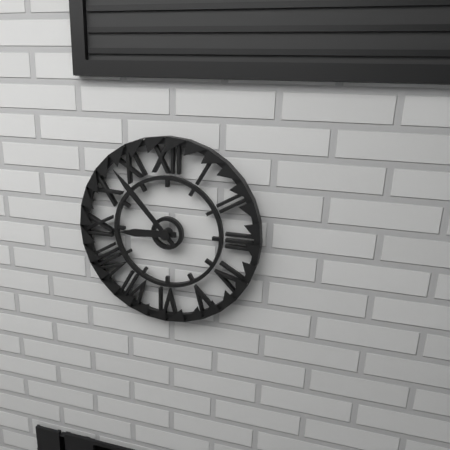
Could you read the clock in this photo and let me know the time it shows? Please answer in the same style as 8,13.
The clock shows 8,53
